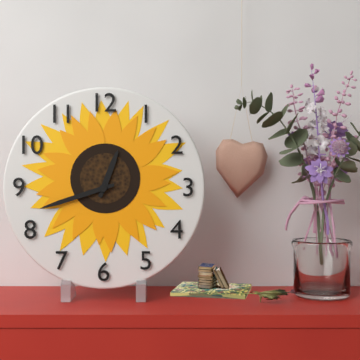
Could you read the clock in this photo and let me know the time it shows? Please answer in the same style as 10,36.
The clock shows 12,42
